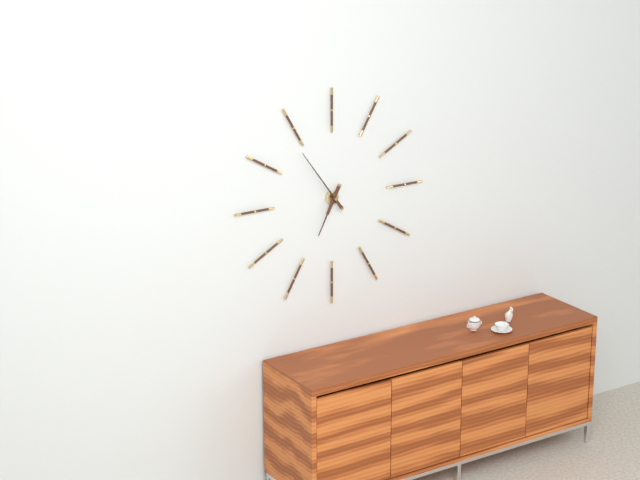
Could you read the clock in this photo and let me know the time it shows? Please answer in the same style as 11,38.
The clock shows 6,54
